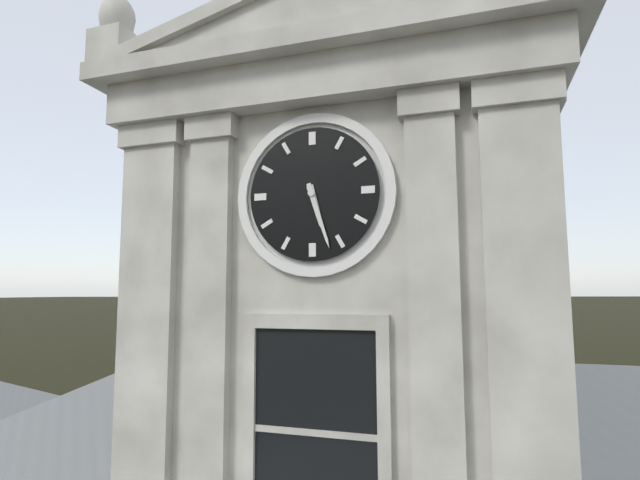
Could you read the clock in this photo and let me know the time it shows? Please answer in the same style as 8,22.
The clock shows 5,27
